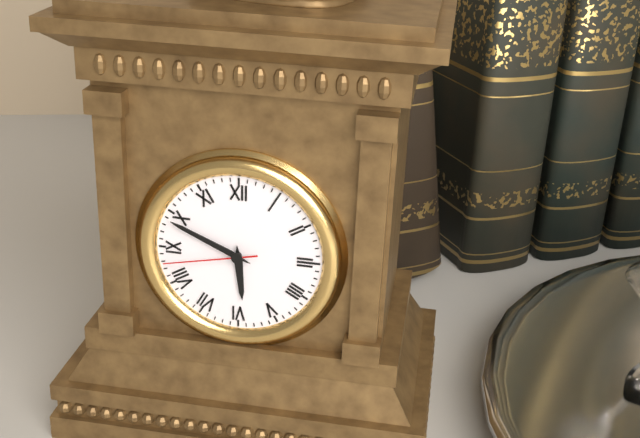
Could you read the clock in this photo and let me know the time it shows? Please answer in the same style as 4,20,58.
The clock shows 5,49,43
